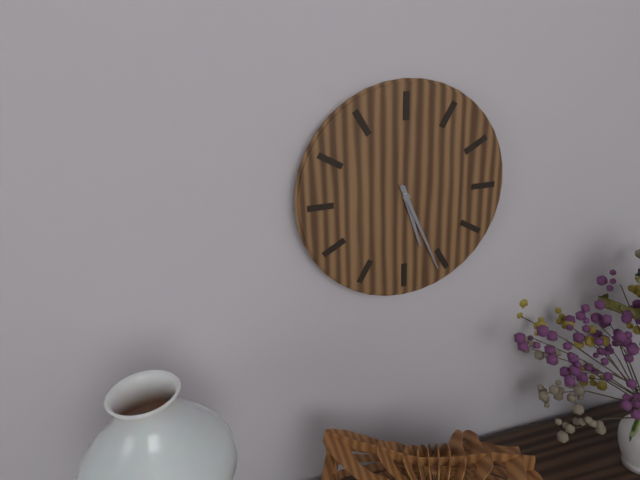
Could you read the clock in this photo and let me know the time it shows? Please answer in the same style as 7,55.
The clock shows 5,26
